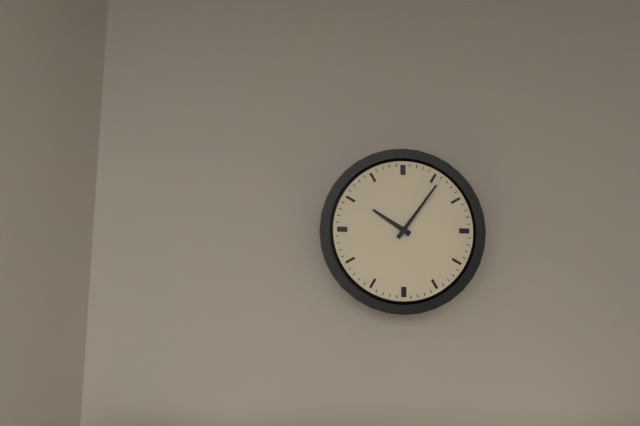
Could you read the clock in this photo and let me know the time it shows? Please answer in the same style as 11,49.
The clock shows 10,06
